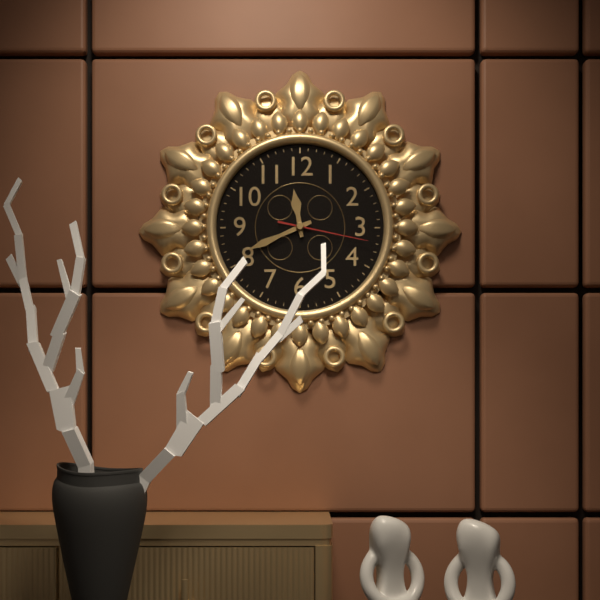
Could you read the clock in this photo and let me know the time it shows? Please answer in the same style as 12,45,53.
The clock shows 11,41,17
